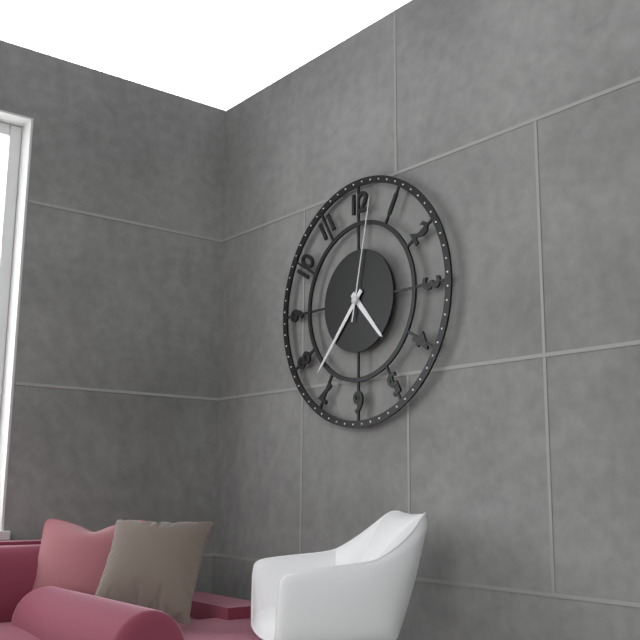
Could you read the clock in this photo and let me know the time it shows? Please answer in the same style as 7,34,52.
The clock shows 4,37,02
